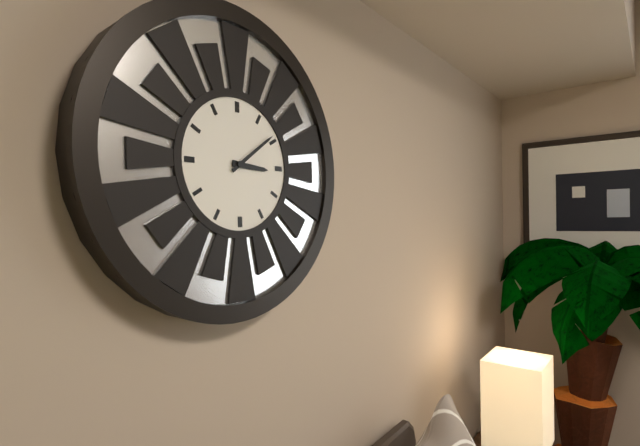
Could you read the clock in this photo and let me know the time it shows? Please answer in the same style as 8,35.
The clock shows 3,09
